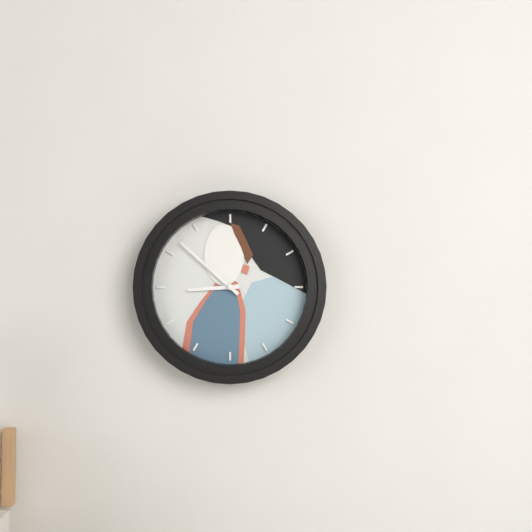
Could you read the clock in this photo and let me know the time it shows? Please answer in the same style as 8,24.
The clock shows 8,52
